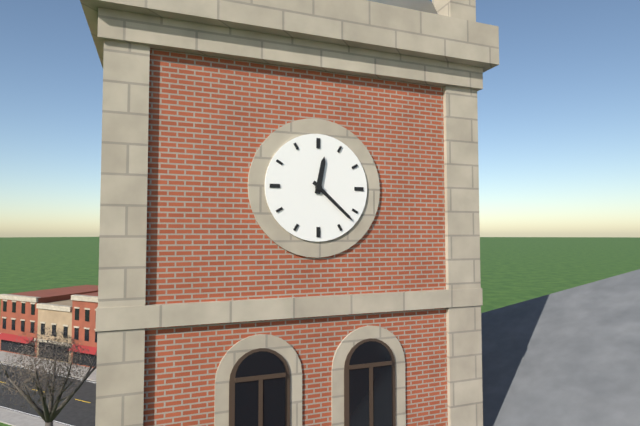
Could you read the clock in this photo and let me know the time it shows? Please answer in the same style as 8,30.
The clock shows 12,22
